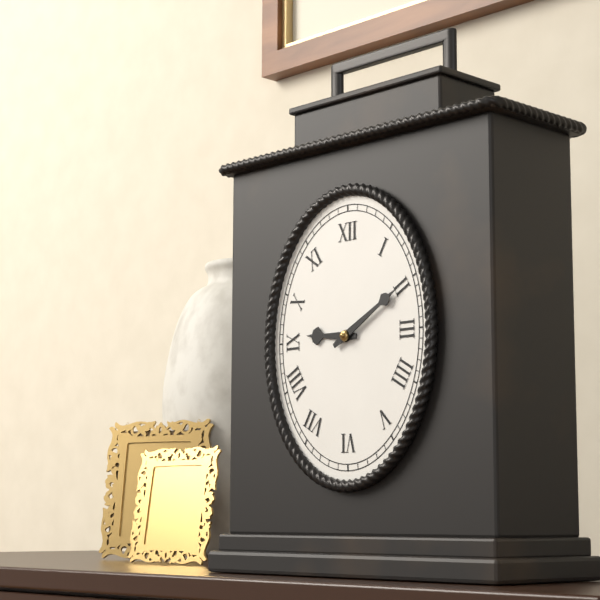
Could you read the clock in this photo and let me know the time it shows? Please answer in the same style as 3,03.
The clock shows 9,10
